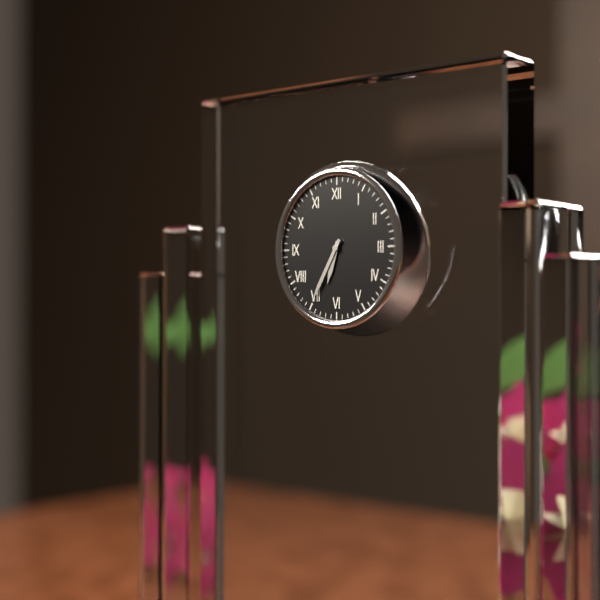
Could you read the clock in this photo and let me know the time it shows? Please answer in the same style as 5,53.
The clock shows 6,35
